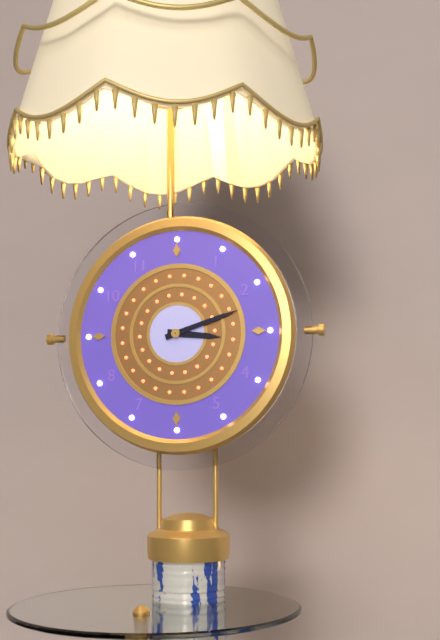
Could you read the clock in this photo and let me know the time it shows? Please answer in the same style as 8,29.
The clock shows 3,12
